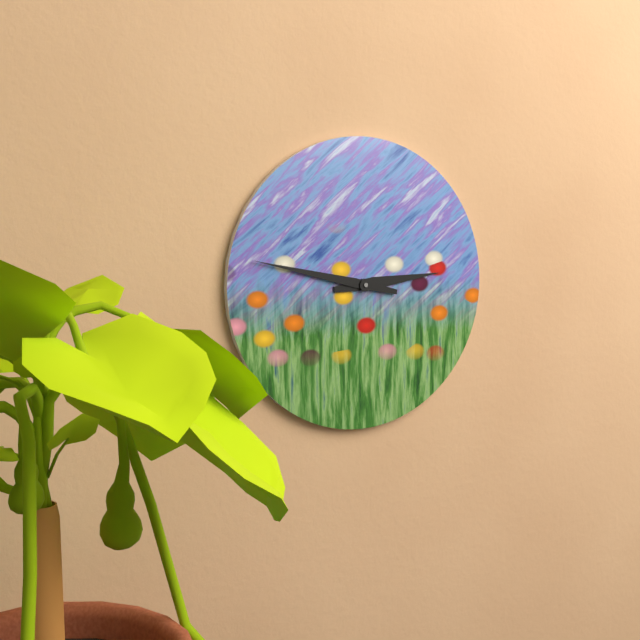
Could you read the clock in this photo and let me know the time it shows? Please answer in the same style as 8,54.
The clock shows 2,47
